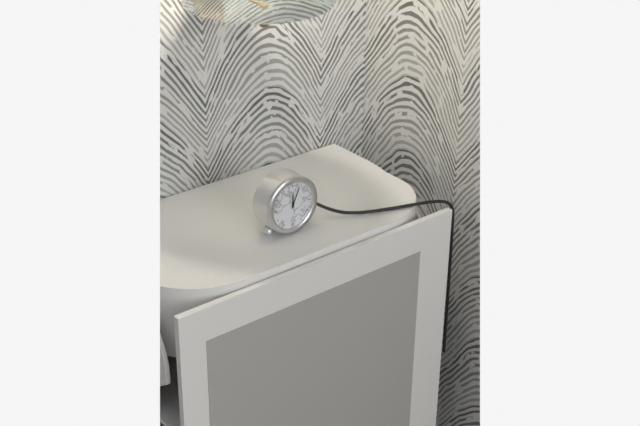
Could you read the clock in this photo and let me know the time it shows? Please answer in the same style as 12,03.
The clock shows 12,04
